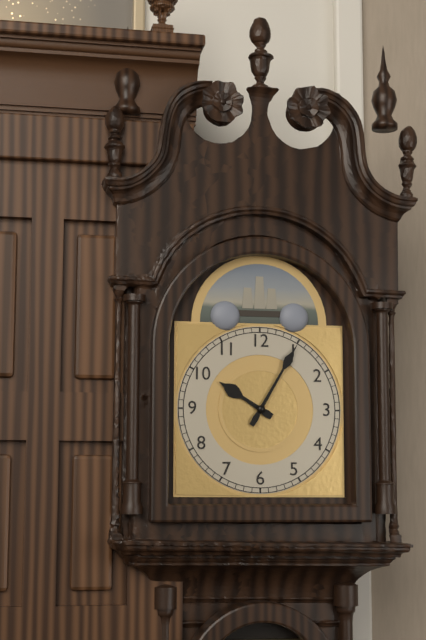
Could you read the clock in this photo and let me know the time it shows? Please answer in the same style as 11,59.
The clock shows 10,05
